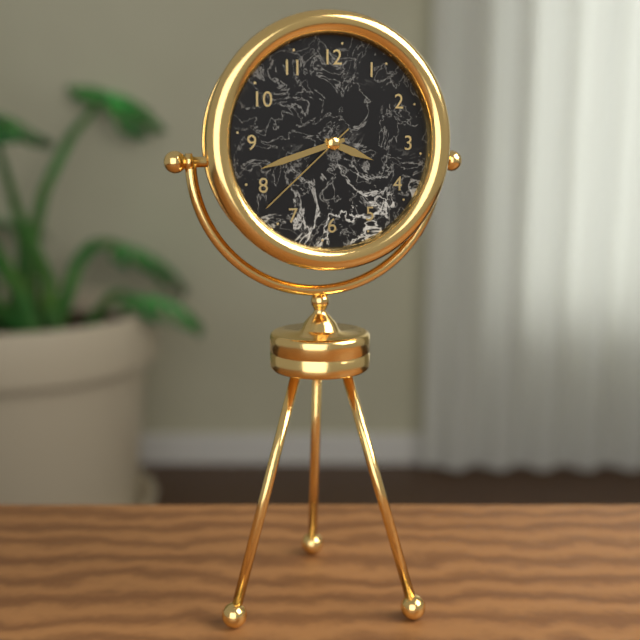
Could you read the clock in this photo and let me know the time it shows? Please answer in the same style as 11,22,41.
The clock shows 3,42,38
